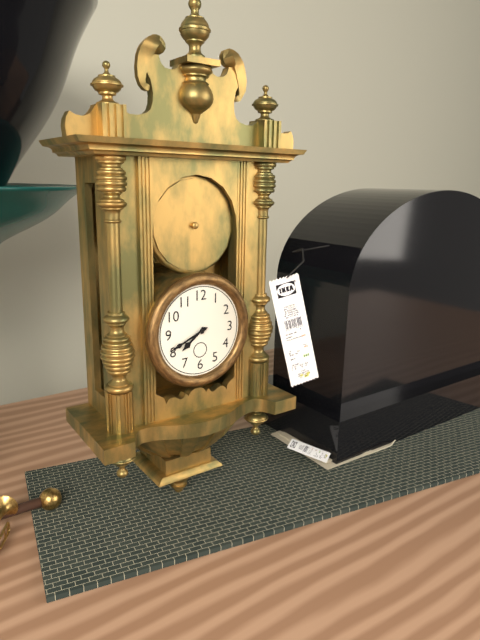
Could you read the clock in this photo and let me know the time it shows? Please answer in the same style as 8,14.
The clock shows 7,41
